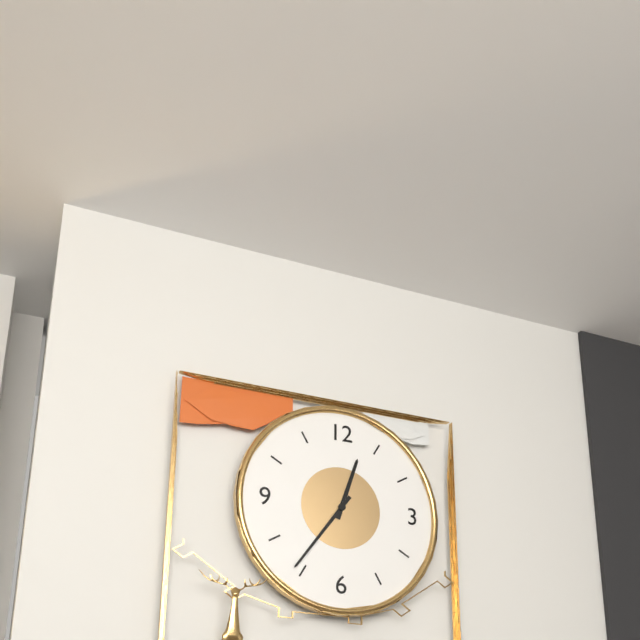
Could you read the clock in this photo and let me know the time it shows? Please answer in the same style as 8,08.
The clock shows 12,36
